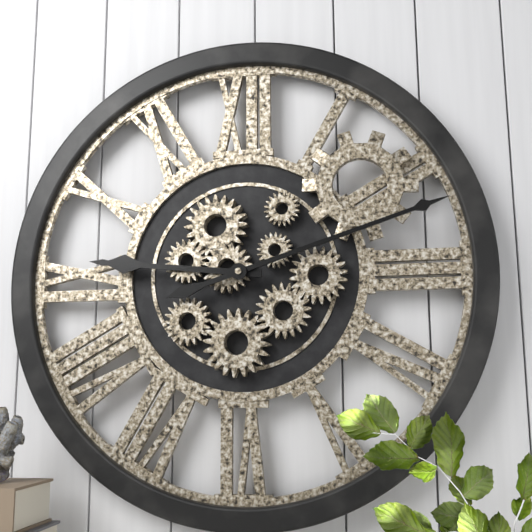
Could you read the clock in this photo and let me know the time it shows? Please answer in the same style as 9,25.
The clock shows 9,12
